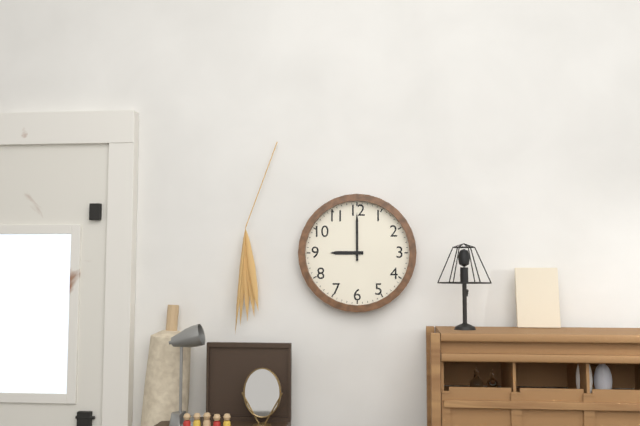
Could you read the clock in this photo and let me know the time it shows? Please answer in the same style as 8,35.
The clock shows 9,00
